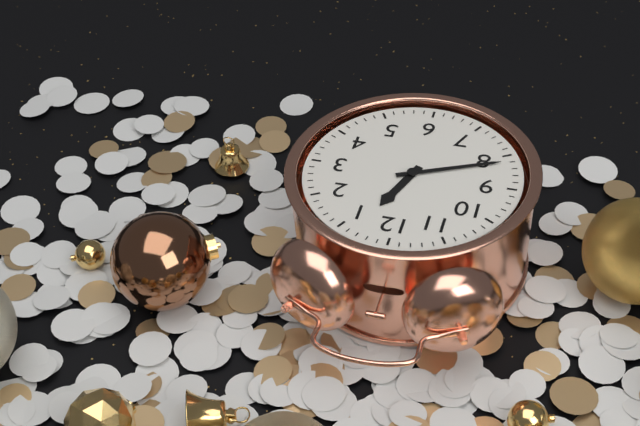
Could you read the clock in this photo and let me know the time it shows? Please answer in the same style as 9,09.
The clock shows 12,41
